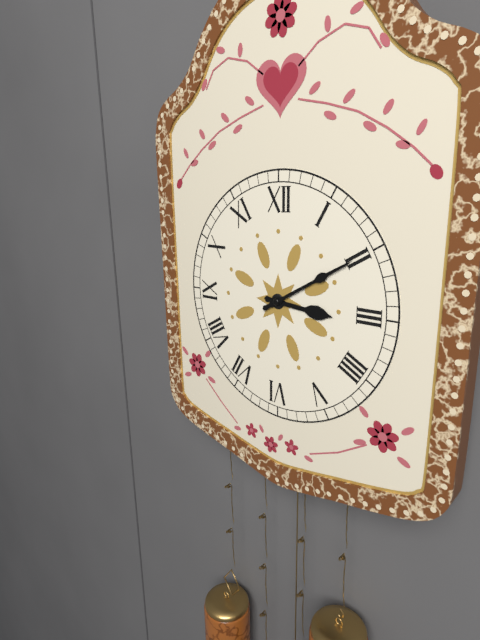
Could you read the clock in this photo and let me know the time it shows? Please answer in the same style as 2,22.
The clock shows 3,10
